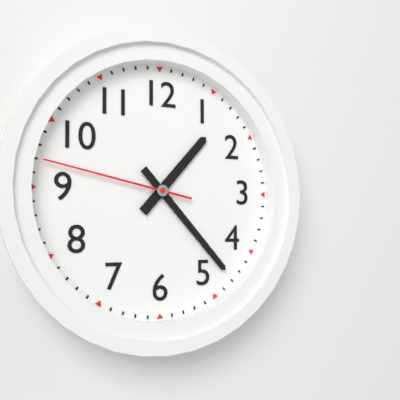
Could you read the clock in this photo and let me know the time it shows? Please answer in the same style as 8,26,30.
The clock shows 1,23,47
